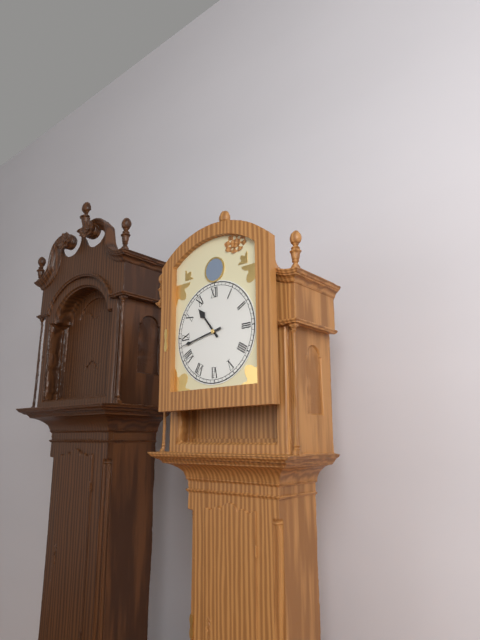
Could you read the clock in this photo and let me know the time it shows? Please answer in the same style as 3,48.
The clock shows 10,43
